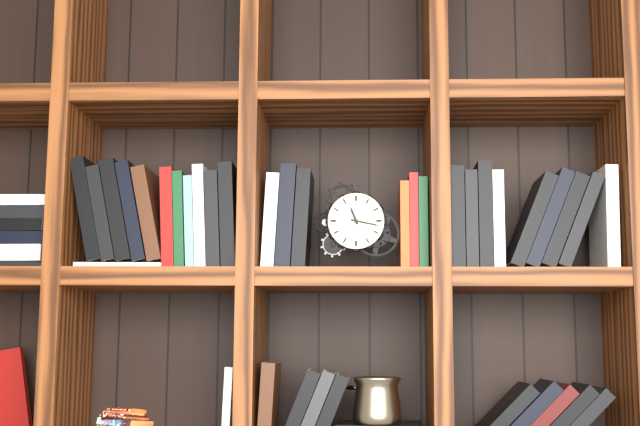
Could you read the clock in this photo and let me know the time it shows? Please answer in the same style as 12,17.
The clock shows 11,17
